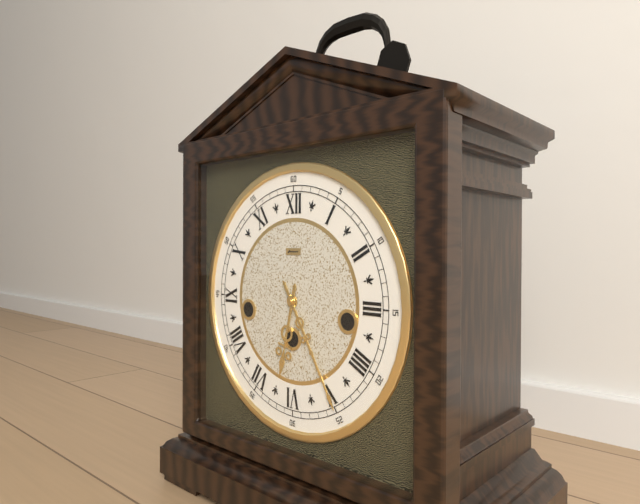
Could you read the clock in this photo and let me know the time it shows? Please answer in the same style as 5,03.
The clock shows 6,25
